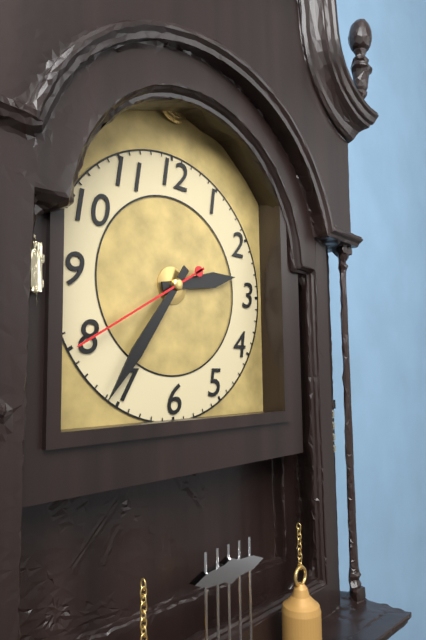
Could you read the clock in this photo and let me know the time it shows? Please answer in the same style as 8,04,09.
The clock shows 2,36,40
